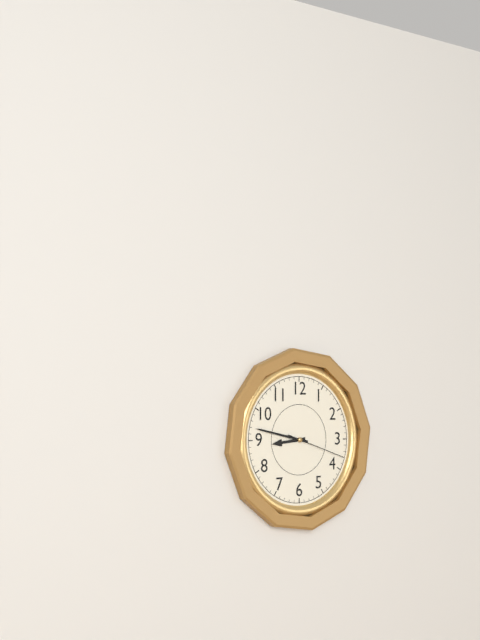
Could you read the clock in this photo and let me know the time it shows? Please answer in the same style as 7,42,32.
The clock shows 8,47,18
